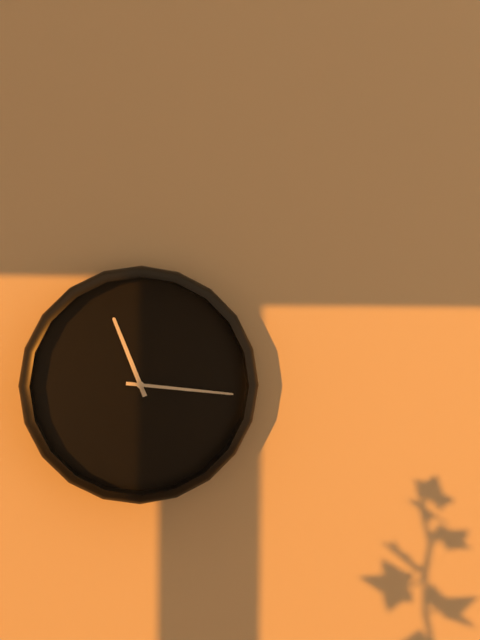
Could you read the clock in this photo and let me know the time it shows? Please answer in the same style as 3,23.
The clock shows 11,16
